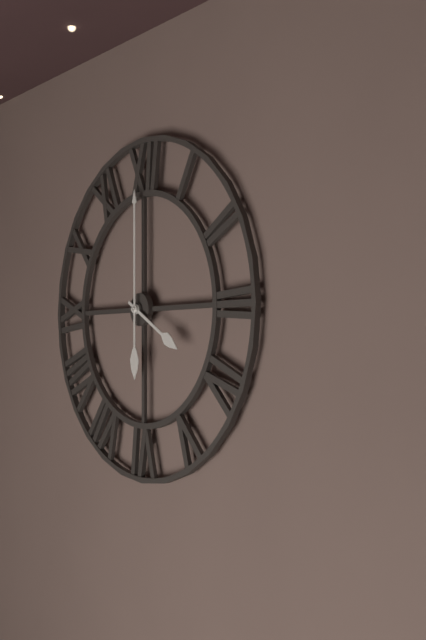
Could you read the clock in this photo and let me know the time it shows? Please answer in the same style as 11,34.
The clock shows 4,00
